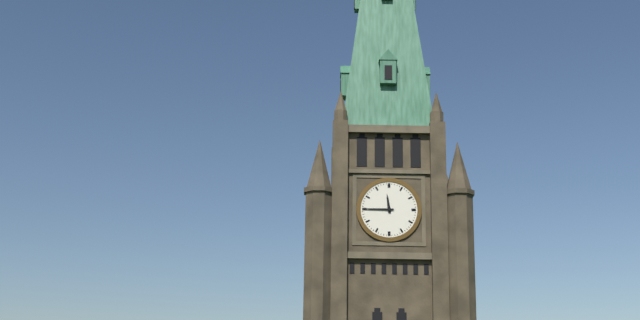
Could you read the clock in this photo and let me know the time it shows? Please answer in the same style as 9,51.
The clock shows 11,45
